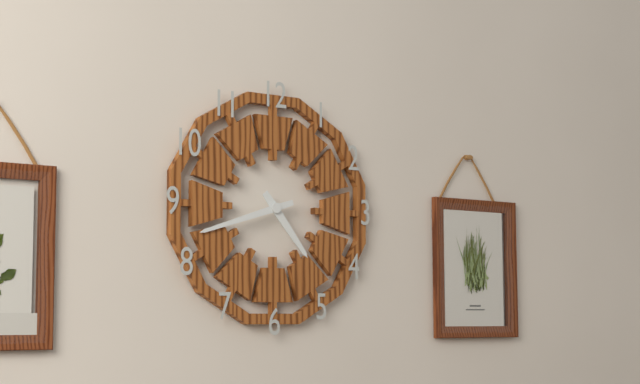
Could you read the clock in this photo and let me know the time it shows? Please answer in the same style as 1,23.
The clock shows 4,42
